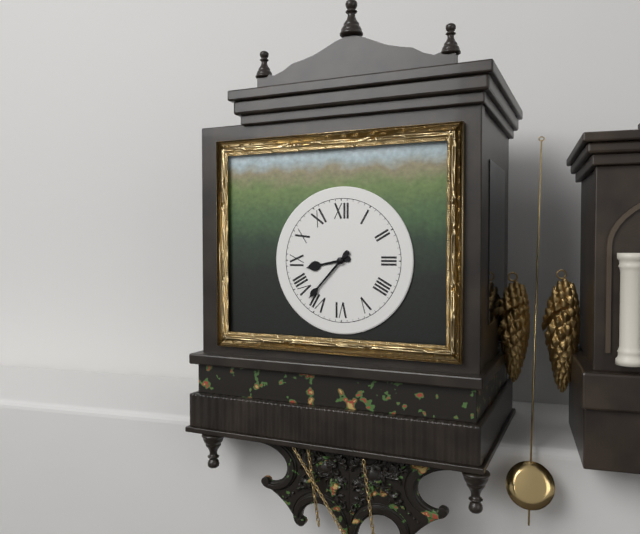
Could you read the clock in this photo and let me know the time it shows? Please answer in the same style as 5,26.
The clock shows 8,37
